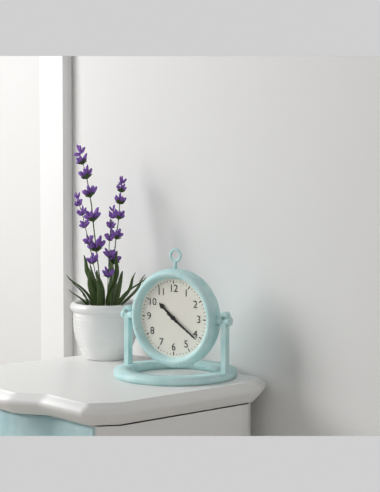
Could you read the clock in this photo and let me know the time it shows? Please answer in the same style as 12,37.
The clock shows 10,21
